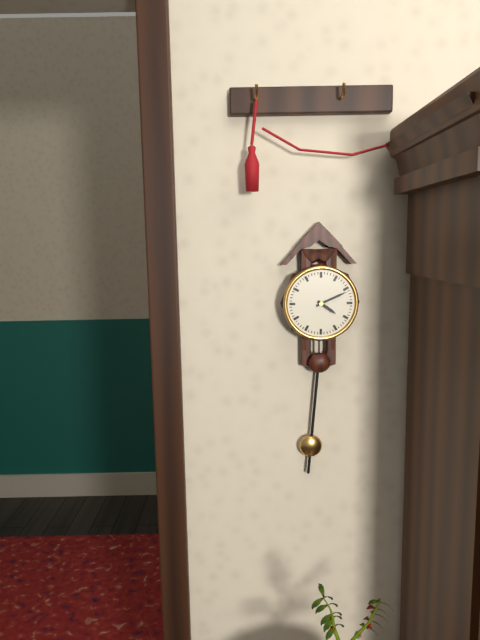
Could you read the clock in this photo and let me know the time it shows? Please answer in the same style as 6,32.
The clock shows 4,11
